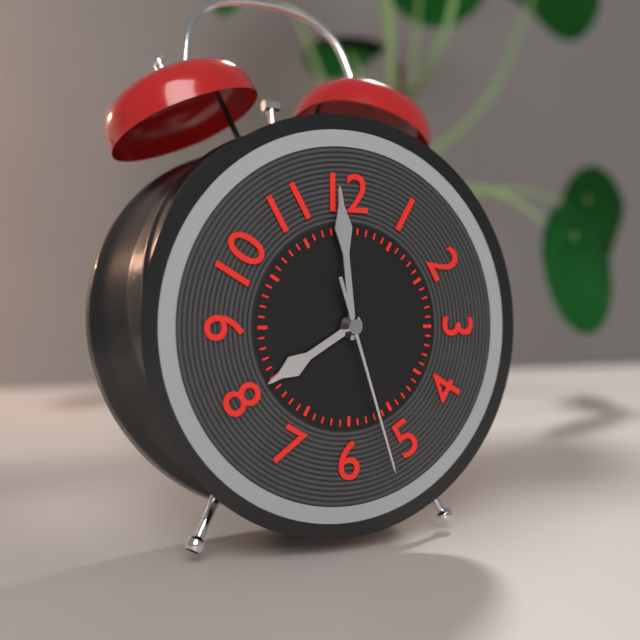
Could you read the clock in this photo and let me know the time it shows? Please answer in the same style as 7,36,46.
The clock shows 7,59,27
